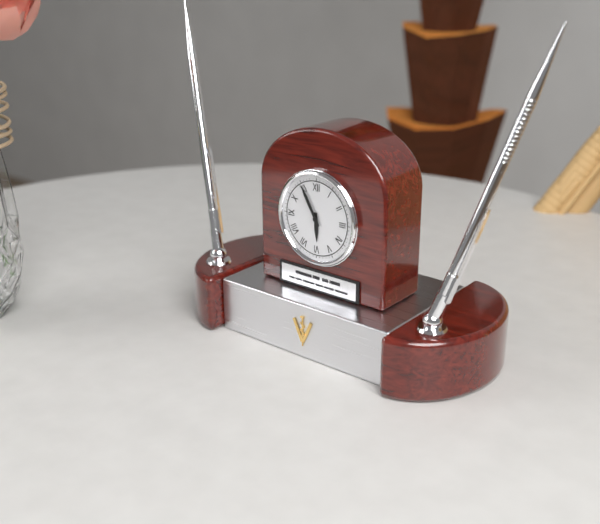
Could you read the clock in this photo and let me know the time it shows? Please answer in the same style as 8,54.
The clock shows 5,55
